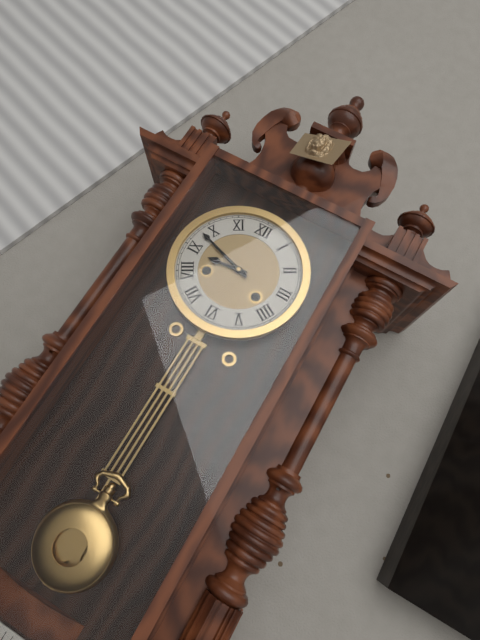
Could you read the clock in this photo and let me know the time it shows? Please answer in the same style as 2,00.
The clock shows 8,48
